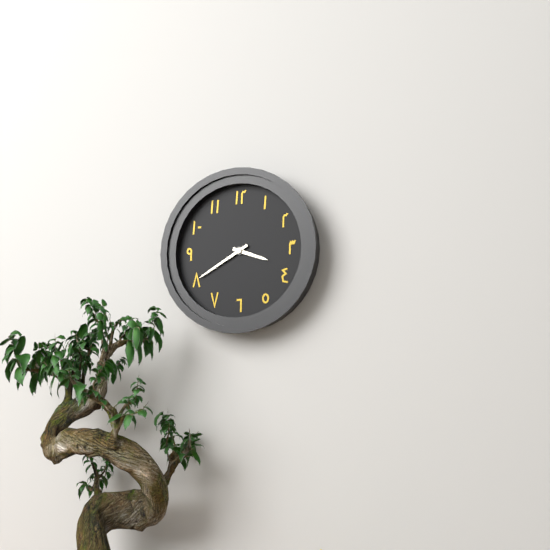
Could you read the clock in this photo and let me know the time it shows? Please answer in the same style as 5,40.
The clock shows 3,40
